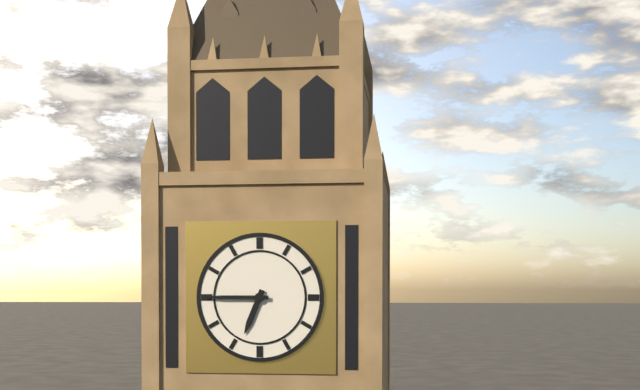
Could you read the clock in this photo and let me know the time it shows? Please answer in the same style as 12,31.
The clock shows 6,45
